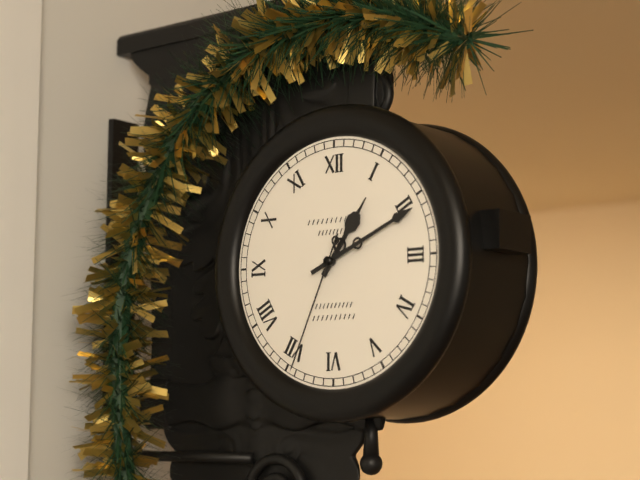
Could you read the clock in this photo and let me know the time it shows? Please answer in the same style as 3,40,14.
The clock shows 1,11,34
